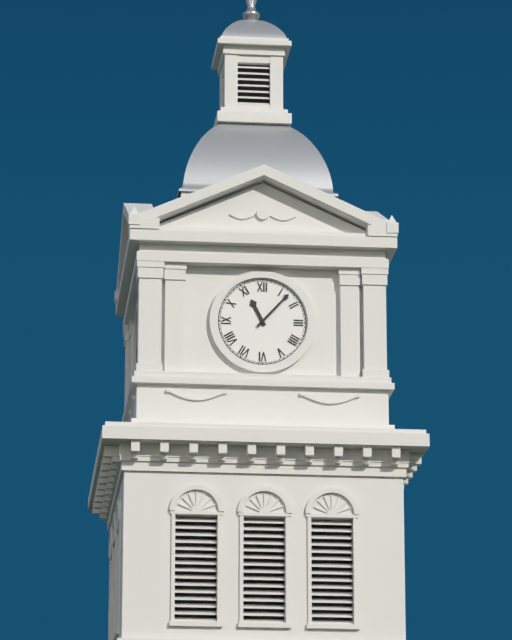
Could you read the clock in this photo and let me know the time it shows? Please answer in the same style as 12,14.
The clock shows 11,07
